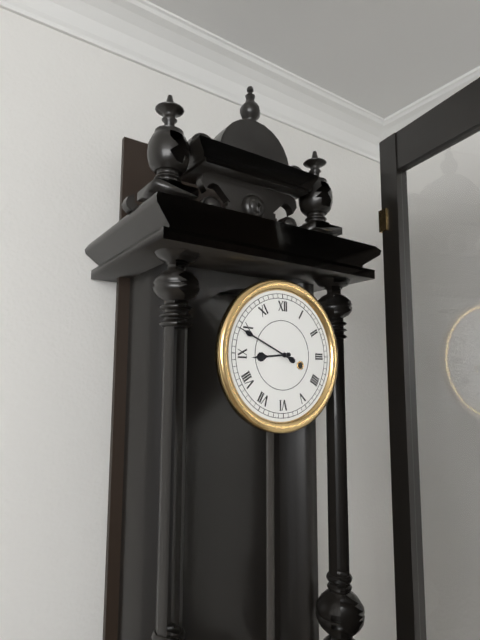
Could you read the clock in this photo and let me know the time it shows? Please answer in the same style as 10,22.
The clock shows 8,49
